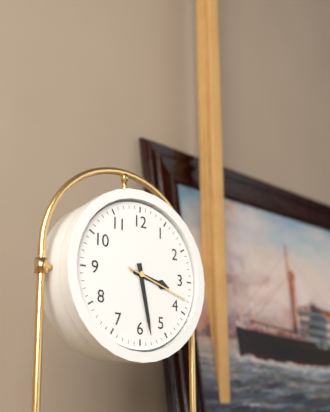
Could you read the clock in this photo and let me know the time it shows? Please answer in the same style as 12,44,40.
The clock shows 3,28,18
